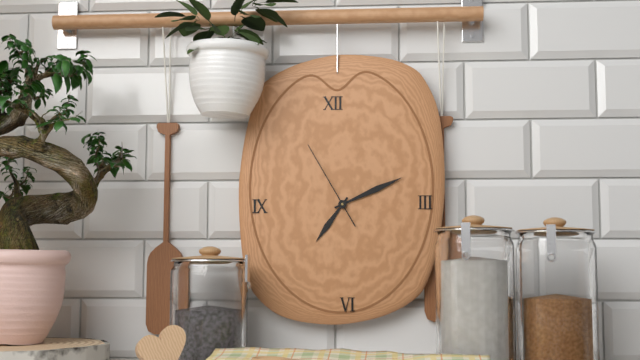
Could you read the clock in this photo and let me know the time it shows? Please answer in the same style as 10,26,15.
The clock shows 7,11,55
